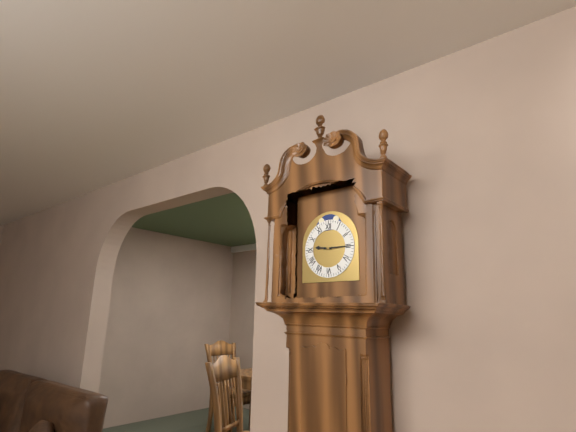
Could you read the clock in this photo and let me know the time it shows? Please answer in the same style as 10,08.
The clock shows 9,15
